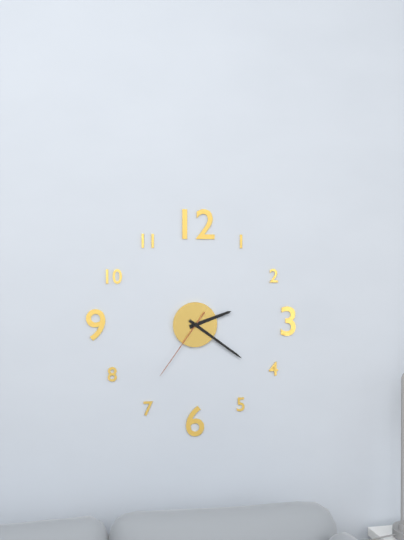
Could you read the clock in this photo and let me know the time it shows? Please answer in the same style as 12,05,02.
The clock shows 2,21,36
